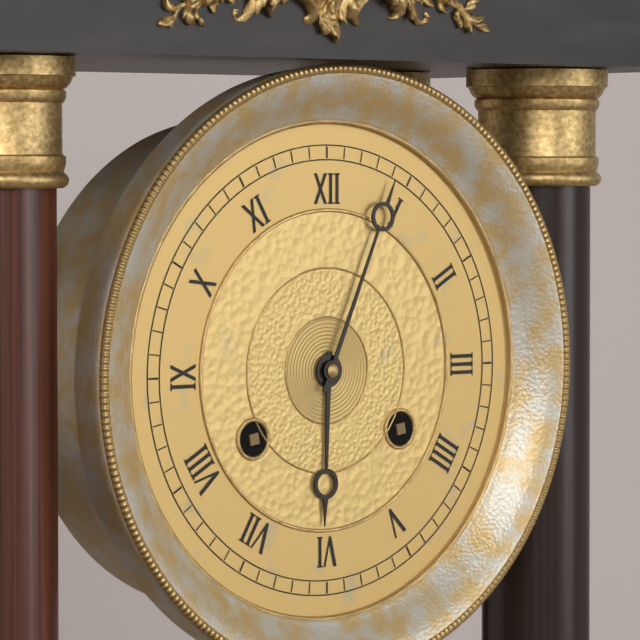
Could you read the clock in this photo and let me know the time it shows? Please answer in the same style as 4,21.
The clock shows 6,04
